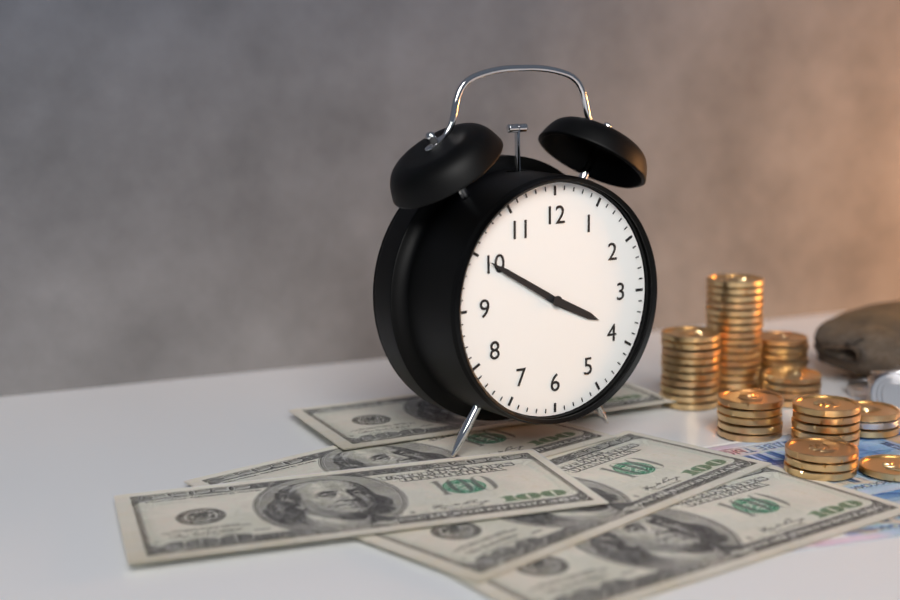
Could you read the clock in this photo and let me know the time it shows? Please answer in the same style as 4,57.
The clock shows 3,50
